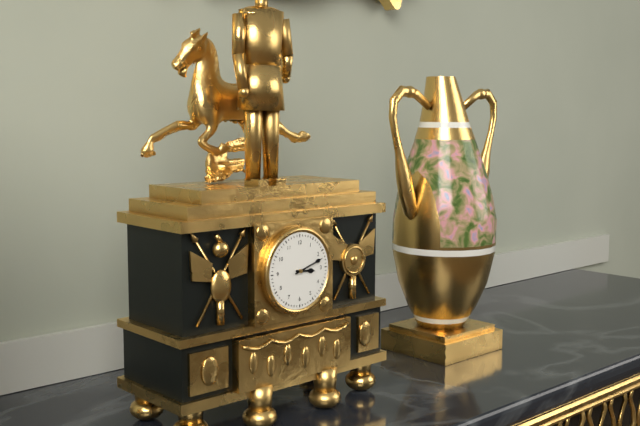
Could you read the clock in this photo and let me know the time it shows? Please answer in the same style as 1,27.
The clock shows 3,12
